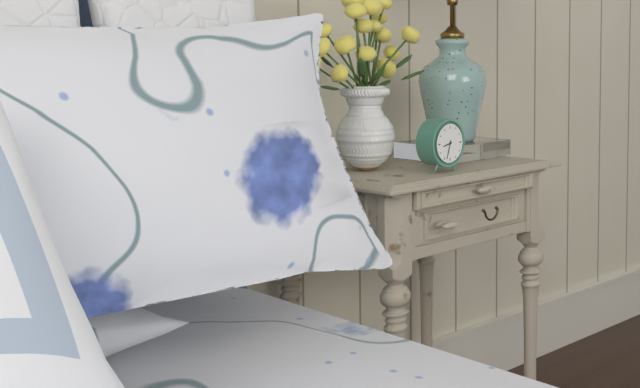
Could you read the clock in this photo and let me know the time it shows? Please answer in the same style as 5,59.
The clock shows 8,33
